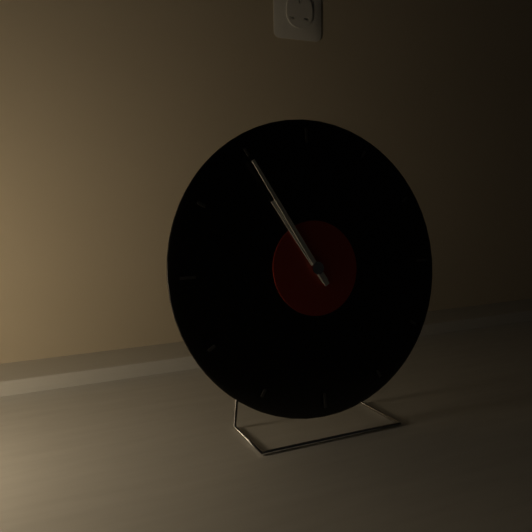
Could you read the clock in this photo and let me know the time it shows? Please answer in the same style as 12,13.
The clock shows 10,55
